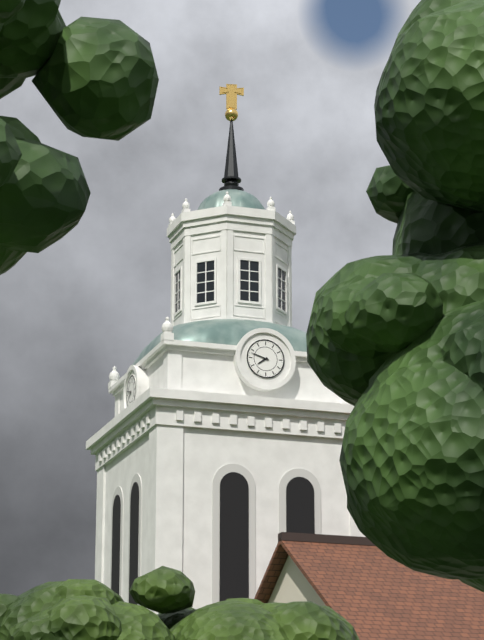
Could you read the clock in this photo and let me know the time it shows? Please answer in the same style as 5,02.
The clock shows 7,48
